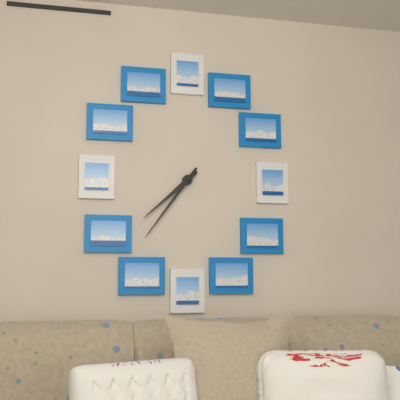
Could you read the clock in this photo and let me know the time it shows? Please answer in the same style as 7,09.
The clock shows 7,36
